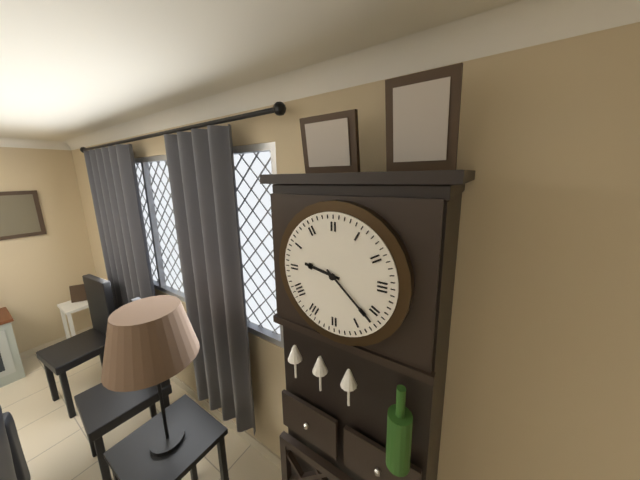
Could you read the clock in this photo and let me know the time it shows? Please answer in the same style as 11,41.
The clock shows 9,22
